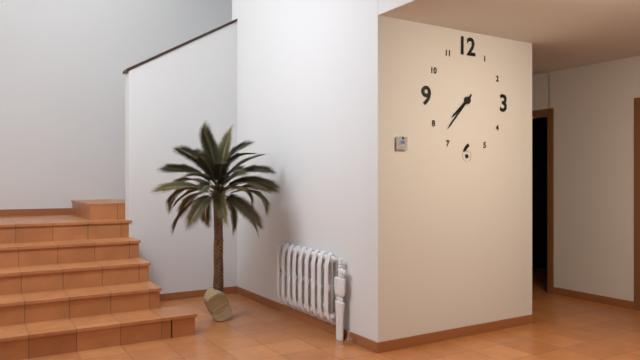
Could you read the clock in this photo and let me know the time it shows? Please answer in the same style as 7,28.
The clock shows 7,37
